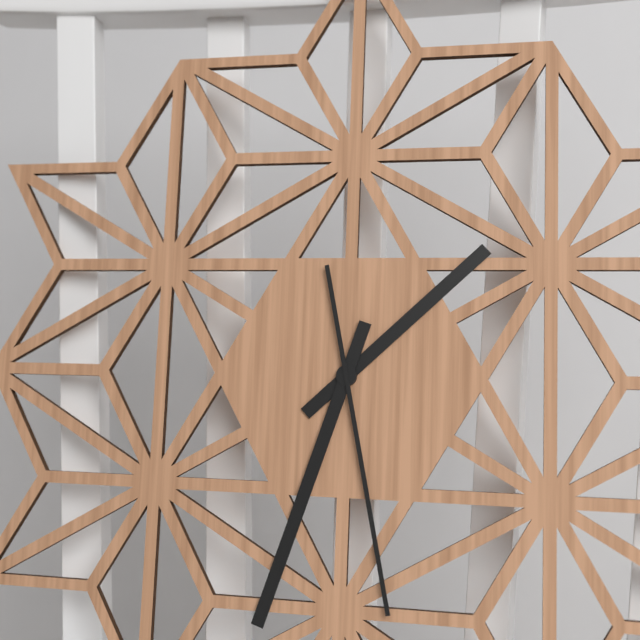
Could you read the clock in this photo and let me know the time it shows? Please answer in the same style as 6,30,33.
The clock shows 1,33,28
